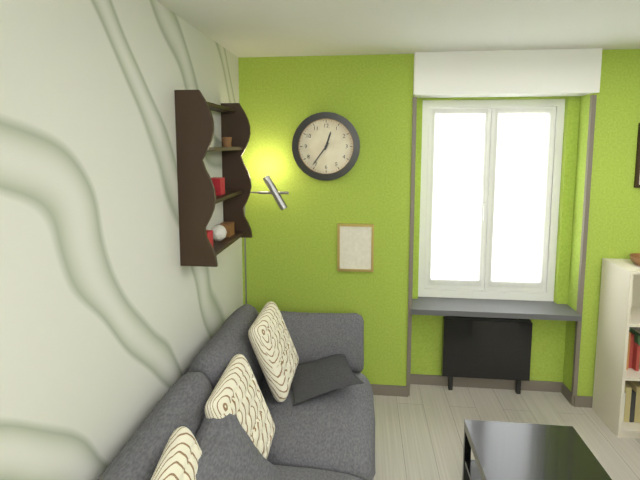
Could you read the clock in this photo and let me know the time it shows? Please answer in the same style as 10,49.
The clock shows 12,36
